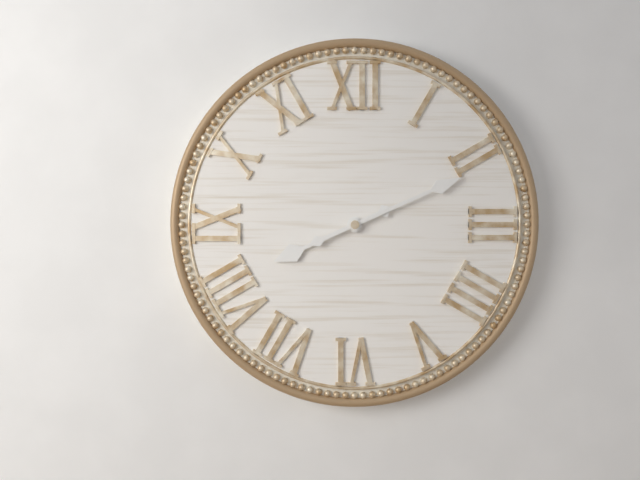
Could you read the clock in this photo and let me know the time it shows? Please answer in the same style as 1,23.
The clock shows 8,11
